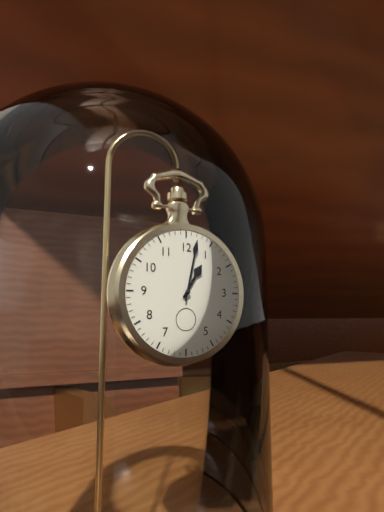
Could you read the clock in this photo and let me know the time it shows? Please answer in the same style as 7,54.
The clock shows 1,02
